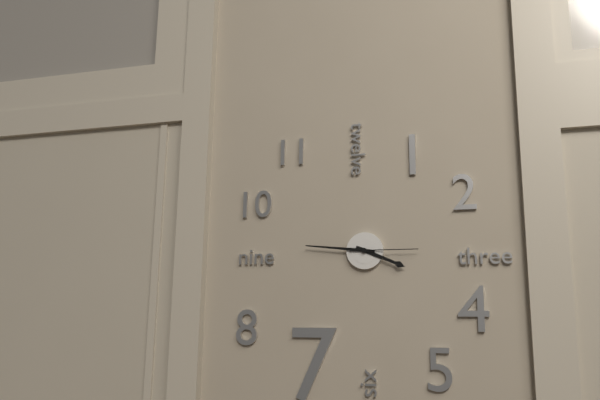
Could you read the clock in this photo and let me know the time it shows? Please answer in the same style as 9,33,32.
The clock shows 3,46,15
